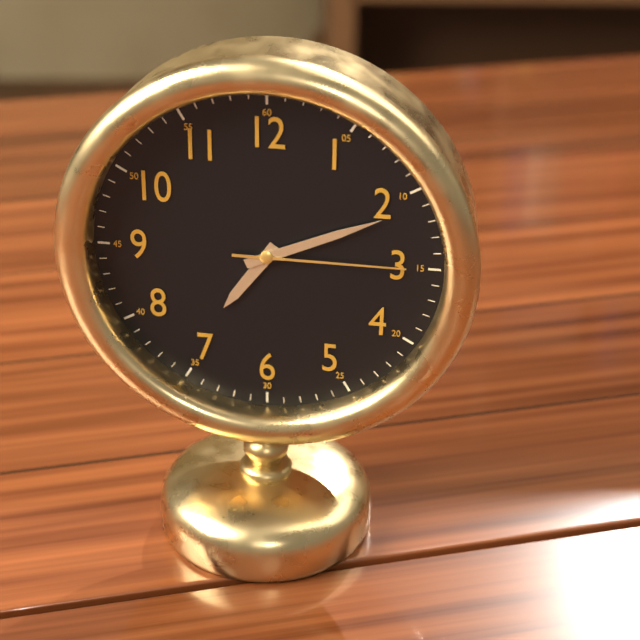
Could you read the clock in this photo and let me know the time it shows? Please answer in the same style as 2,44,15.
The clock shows 7,11,15
